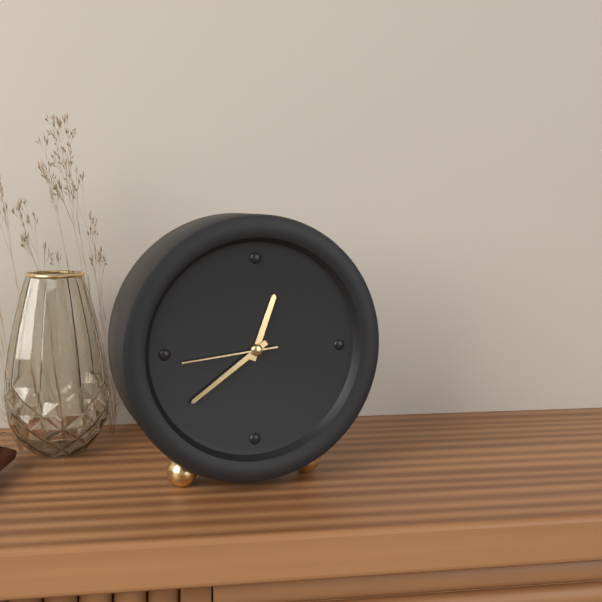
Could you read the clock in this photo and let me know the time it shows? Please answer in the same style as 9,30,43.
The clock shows 12,39,44
